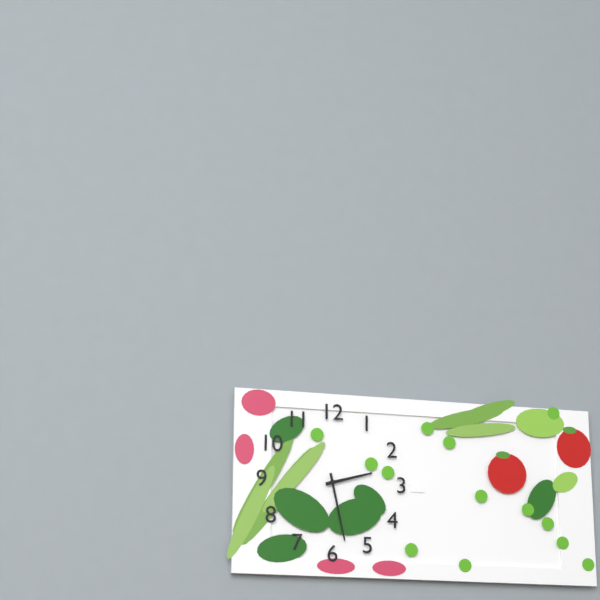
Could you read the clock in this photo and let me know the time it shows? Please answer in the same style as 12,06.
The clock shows 2,28
